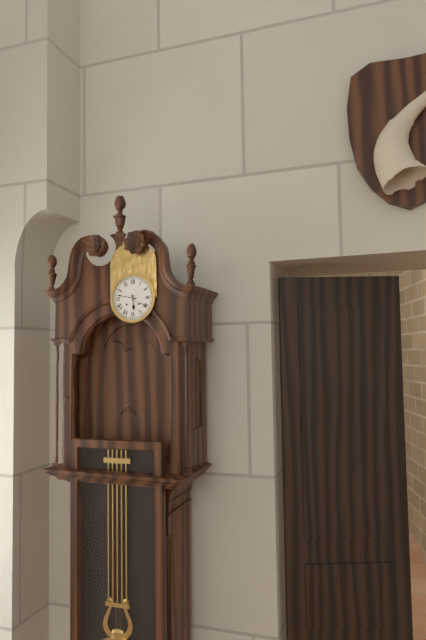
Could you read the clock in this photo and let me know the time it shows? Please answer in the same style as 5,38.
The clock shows 5,47
